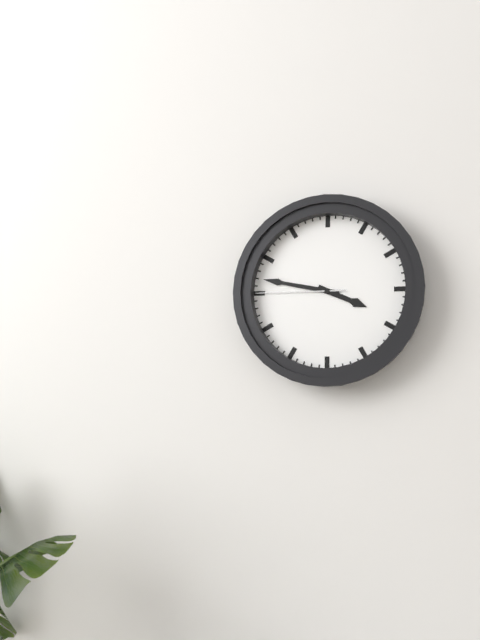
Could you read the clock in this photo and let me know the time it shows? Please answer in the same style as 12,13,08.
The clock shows 3,47,45
